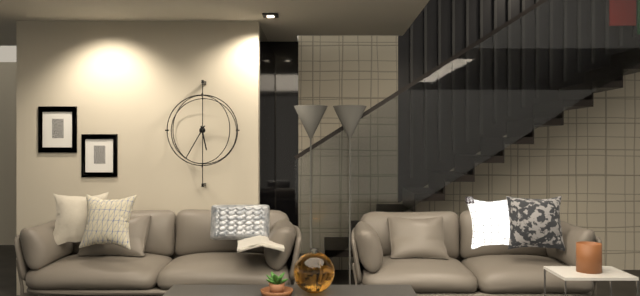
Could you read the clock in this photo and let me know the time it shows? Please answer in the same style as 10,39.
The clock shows 5,35
